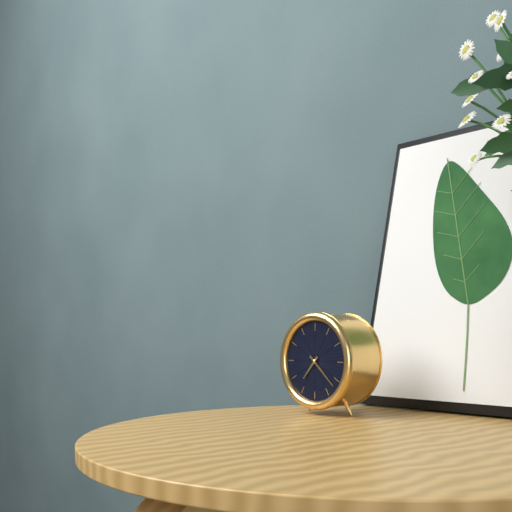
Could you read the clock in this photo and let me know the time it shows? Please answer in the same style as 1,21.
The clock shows 7,22
